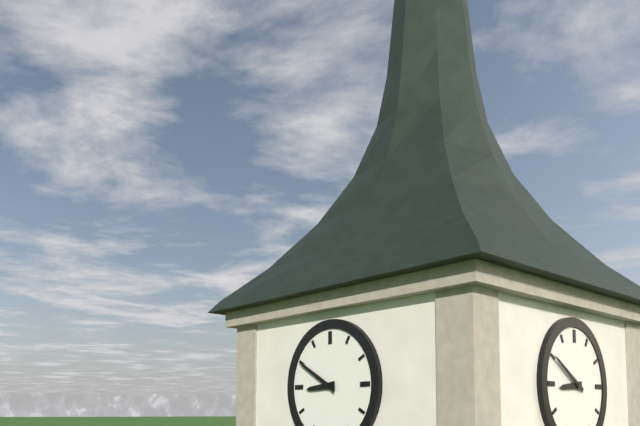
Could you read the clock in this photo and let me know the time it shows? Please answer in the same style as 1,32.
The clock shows 8,50
